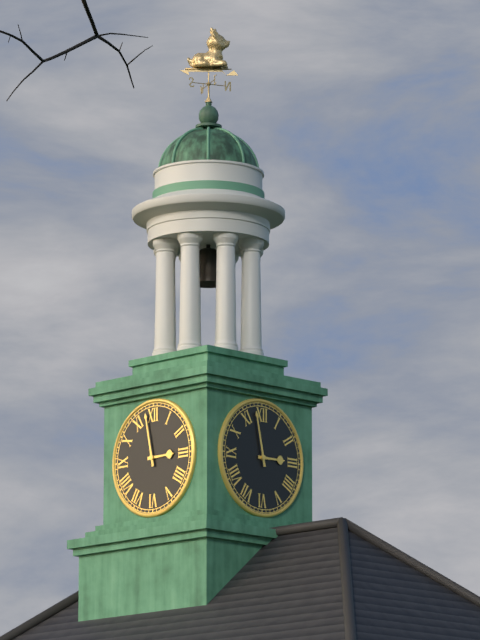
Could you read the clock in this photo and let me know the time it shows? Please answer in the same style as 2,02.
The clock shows 2,58
